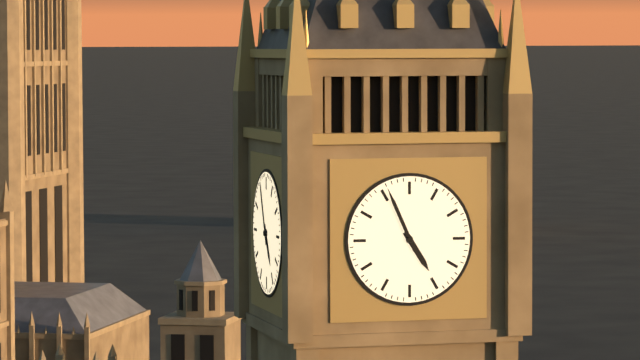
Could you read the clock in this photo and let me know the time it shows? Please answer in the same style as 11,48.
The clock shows 4,56
